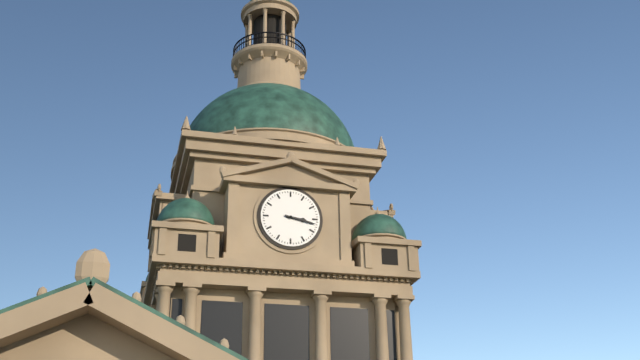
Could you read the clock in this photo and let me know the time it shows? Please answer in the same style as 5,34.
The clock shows 3,17
